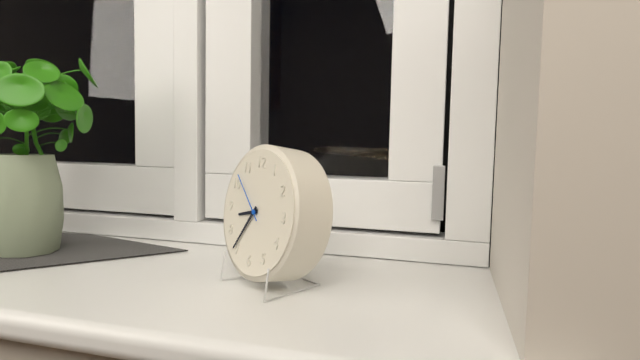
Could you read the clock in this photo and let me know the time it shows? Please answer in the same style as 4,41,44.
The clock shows 8,36,52
